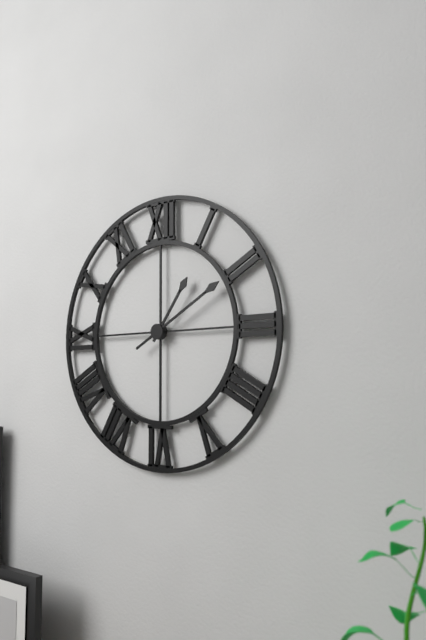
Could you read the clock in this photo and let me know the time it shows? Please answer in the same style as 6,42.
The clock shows 1,10
